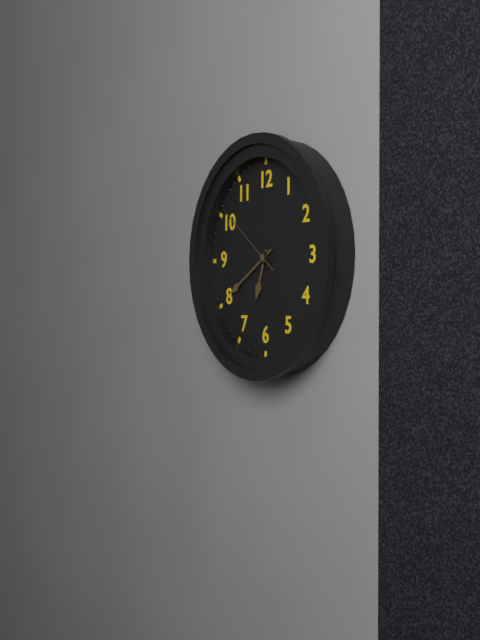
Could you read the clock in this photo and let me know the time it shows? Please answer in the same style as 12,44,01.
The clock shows 6,40,51
